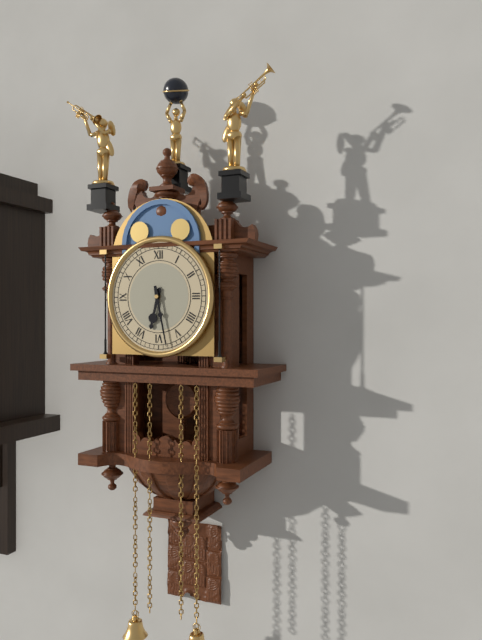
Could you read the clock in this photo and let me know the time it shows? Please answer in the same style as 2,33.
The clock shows 6,28
